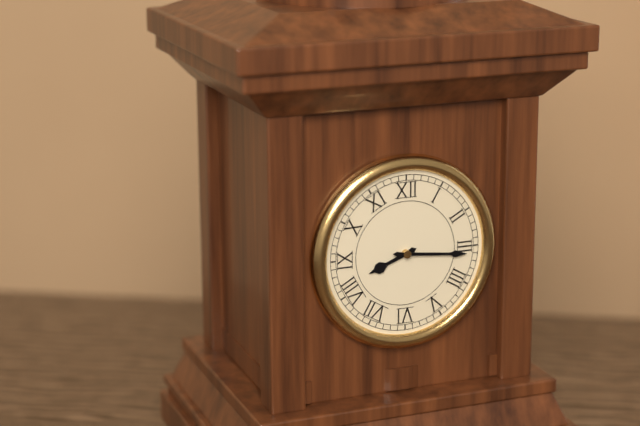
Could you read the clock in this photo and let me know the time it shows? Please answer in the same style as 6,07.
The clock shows 8,16
